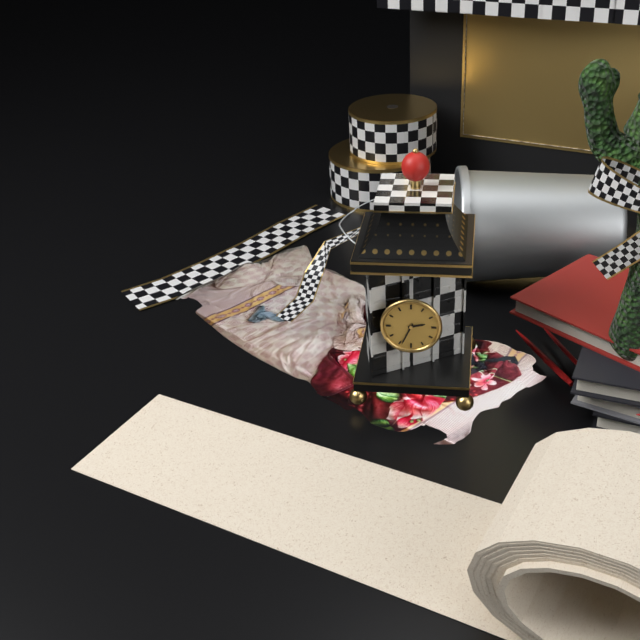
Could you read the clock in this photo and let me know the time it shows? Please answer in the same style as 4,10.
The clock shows 2,34
